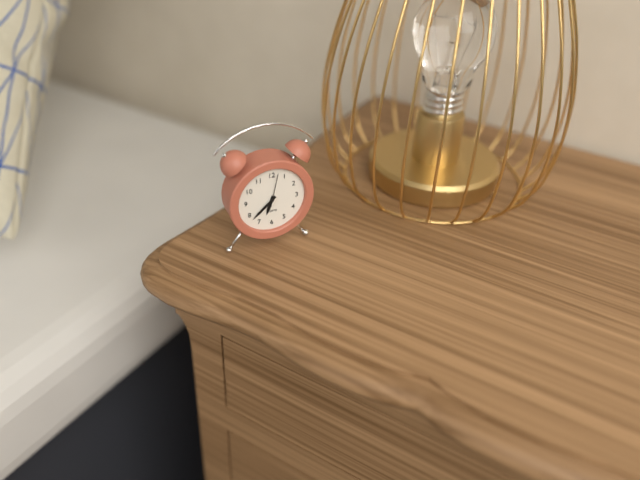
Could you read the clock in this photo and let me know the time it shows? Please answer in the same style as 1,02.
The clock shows 6,38
